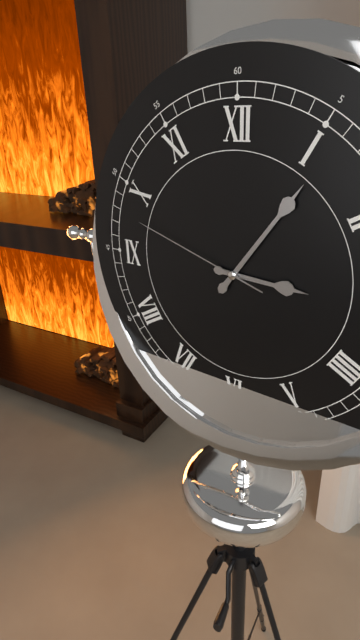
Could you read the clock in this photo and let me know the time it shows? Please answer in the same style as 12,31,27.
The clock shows 3,06,48
